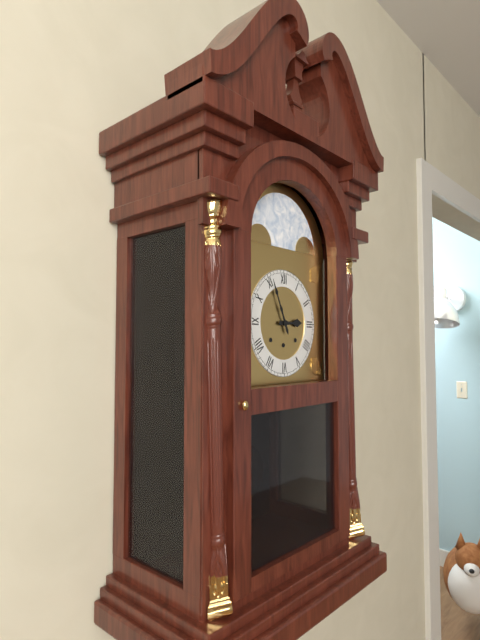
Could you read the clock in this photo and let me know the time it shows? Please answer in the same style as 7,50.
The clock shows 2,56
